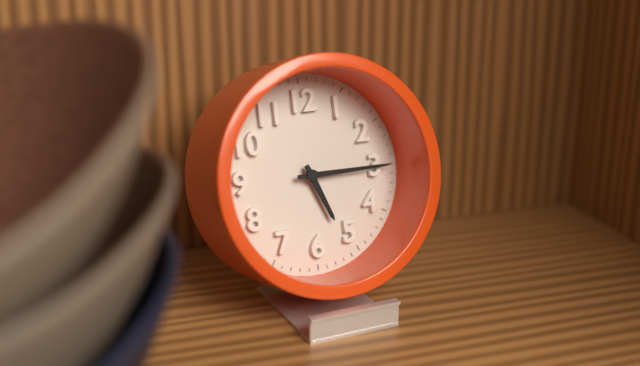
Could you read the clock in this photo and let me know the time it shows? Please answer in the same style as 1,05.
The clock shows 5,15
